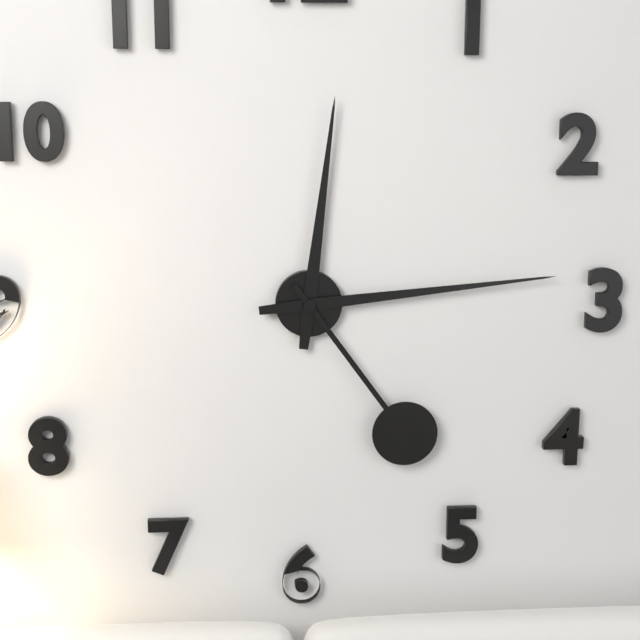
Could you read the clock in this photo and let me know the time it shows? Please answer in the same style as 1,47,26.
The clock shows 12,14,24
